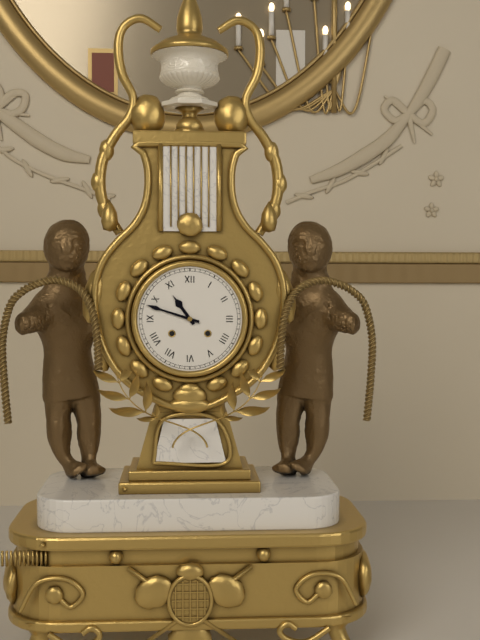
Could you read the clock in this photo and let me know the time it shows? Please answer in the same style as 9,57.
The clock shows 10,48
